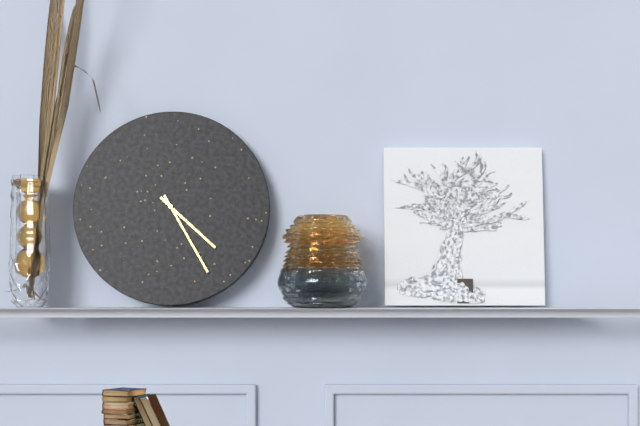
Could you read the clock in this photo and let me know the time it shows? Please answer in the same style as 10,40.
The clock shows 4,25
